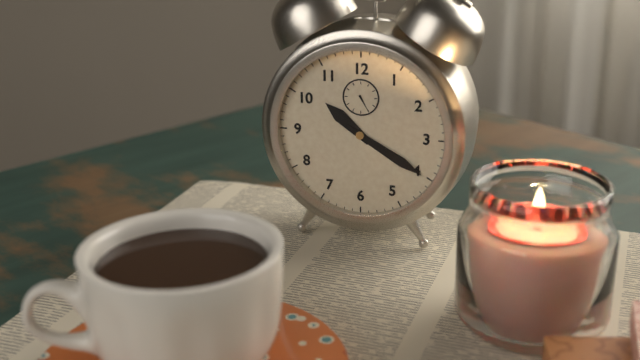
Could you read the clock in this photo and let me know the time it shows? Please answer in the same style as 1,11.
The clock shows 10,20
